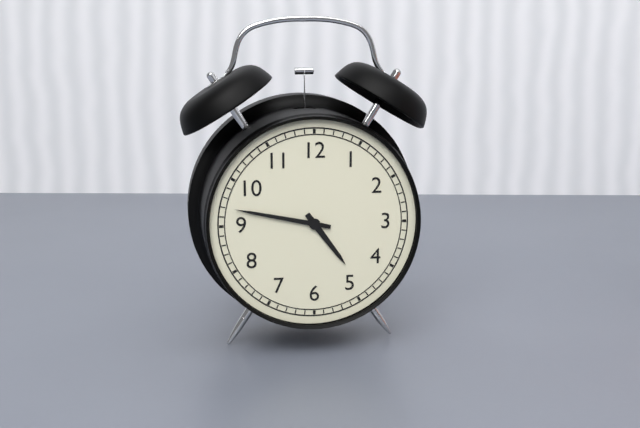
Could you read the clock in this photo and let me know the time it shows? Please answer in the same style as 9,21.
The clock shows 4,47
